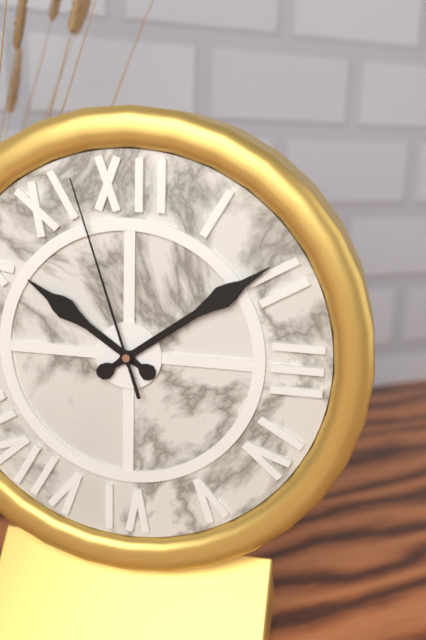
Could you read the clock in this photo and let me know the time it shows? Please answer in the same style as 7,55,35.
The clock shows 10,09,57
